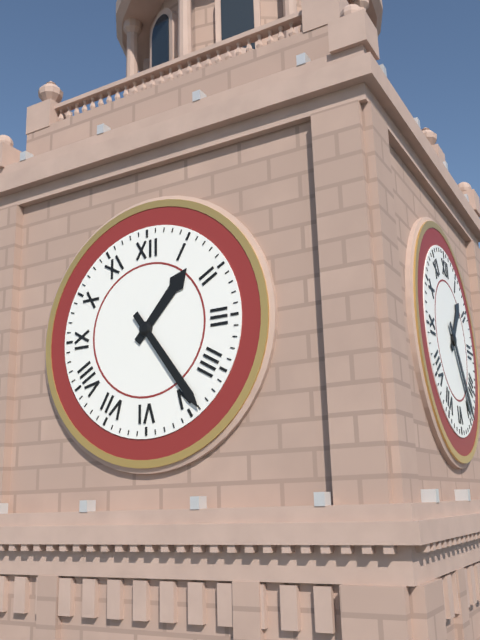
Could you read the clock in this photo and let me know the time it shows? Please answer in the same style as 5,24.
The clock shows 1,24
